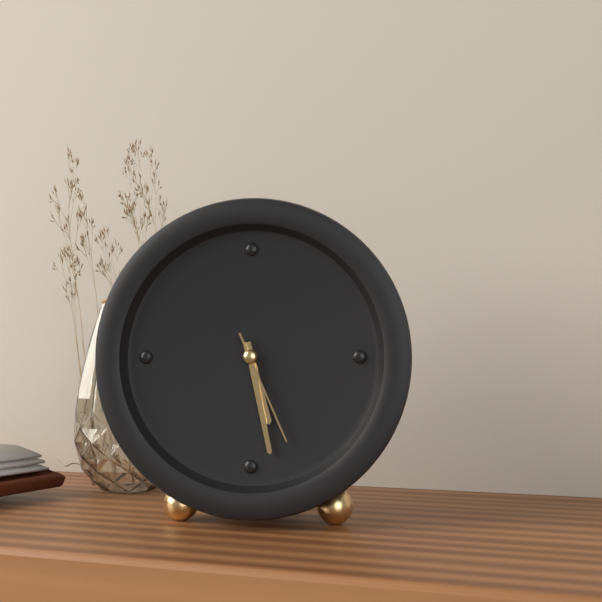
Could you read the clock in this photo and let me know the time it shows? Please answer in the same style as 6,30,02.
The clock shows 5,28,26
